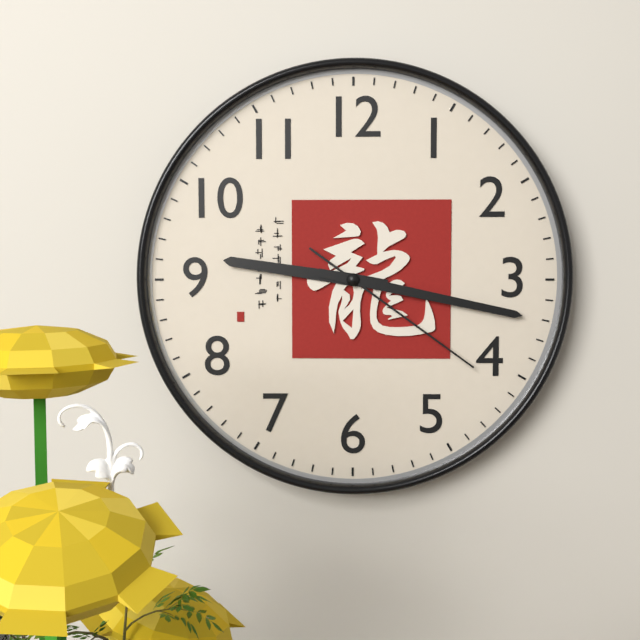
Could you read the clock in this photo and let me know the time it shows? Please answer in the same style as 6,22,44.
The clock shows 9,17,21
